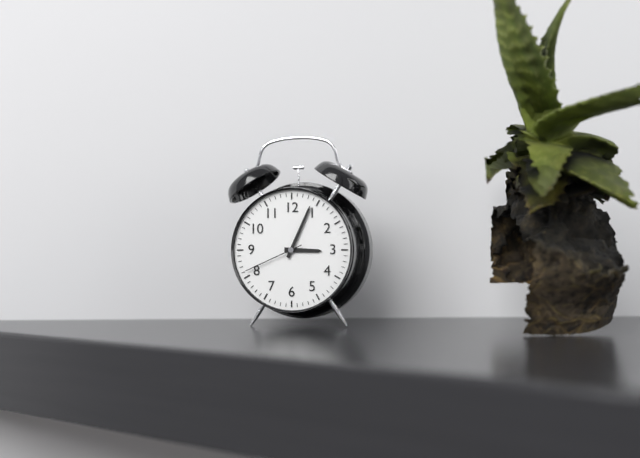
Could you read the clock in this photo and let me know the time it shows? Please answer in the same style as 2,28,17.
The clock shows 3,04,41
